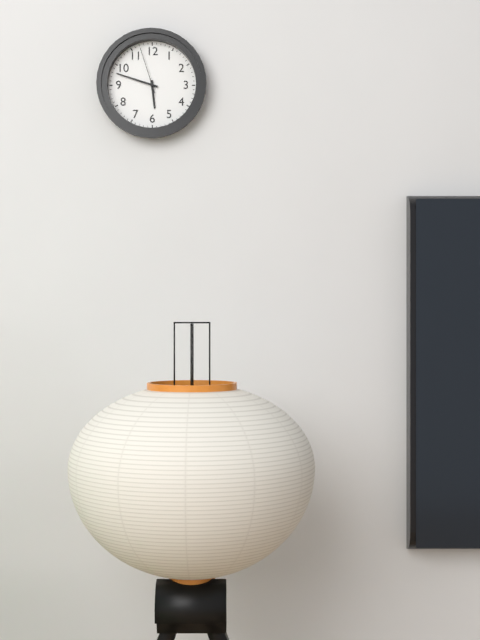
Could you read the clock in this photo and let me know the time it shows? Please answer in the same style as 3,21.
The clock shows 5,48
